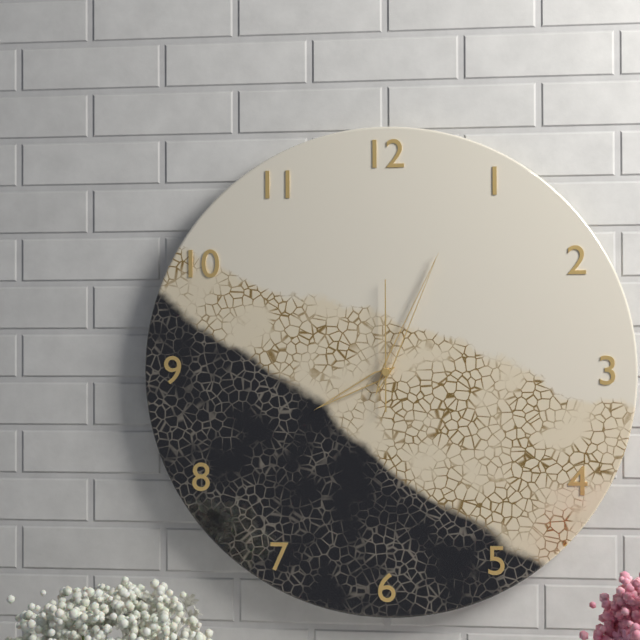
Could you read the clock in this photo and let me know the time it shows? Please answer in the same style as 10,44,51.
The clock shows 8,04,00
